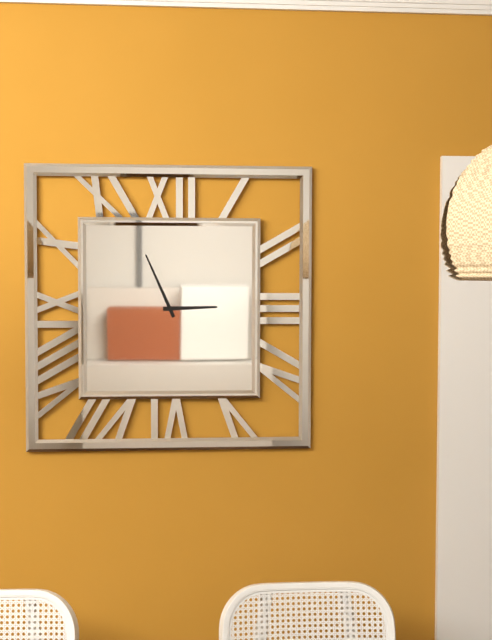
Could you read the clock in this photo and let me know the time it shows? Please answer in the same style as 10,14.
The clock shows 2,56
